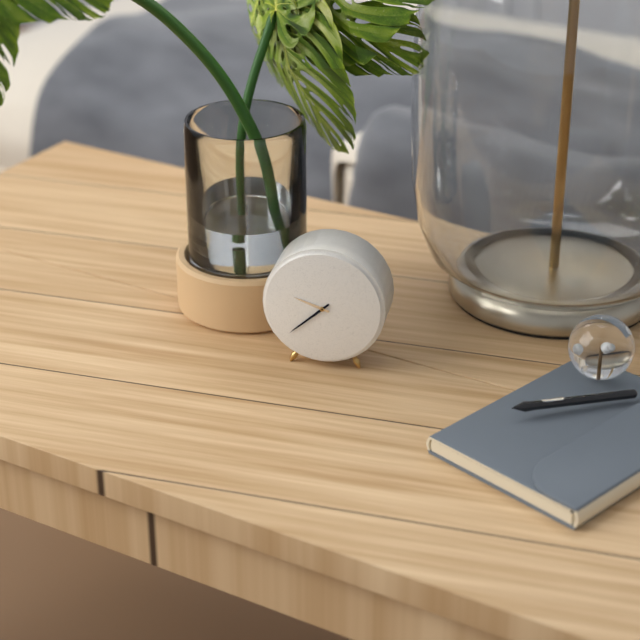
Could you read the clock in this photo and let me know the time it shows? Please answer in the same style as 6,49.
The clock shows 9,38
